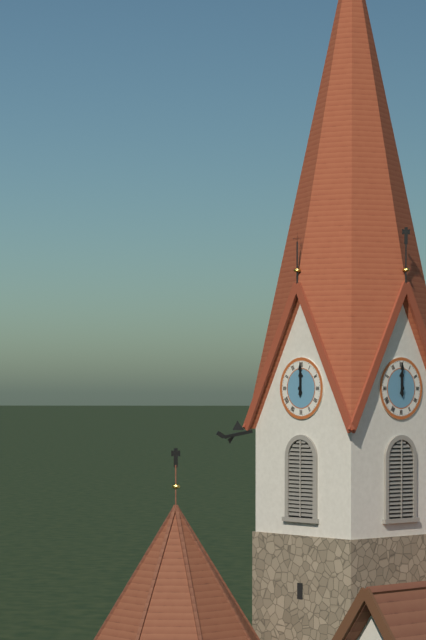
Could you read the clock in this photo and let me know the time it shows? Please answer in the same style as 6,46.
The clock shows 12,00
